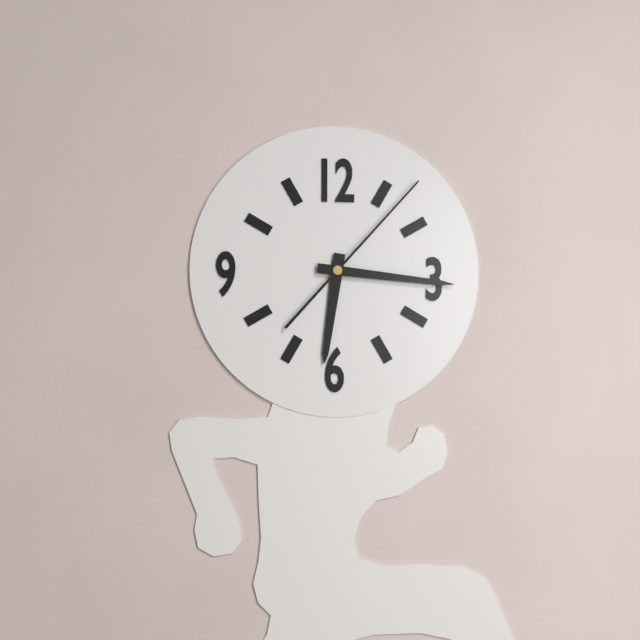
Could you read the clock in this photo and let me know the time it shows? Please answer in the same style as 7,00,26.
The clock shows 6,16,07
